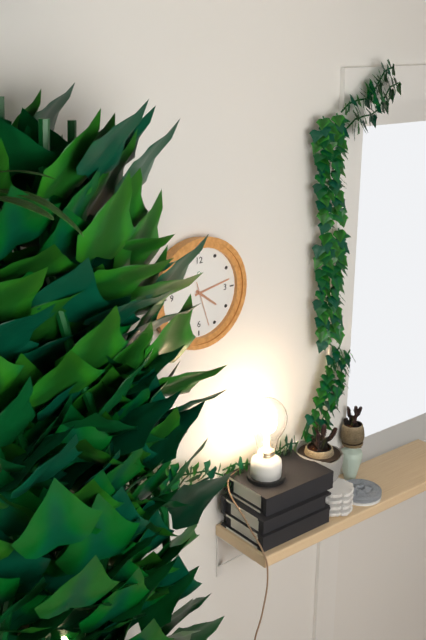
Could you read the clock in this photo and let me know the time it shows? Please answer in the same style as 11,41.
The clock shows 4,13
